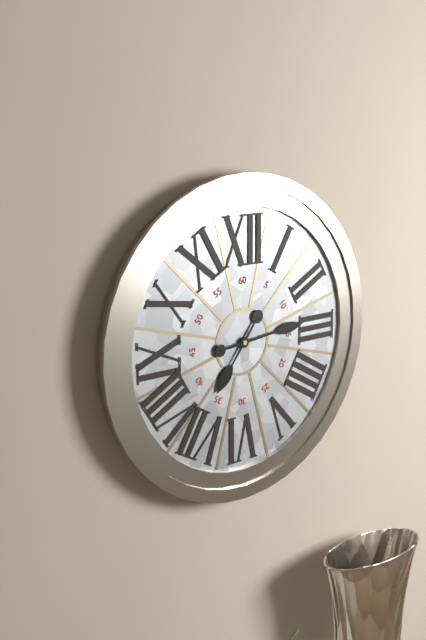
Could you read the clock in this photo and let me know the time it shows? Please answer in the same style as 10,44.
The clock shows 7,14
